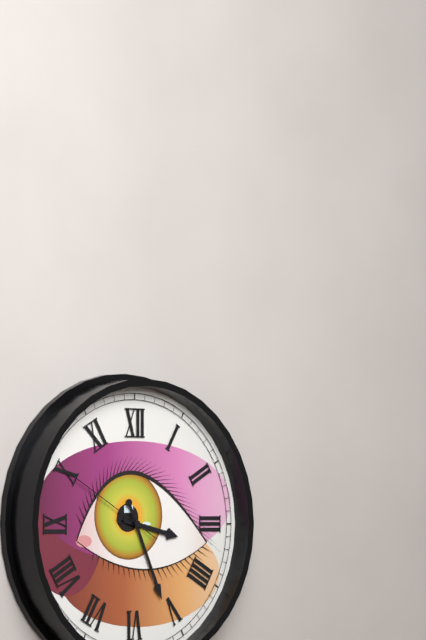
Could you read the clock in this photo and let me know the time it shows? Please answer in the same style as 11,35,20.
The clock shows 3,26,50
